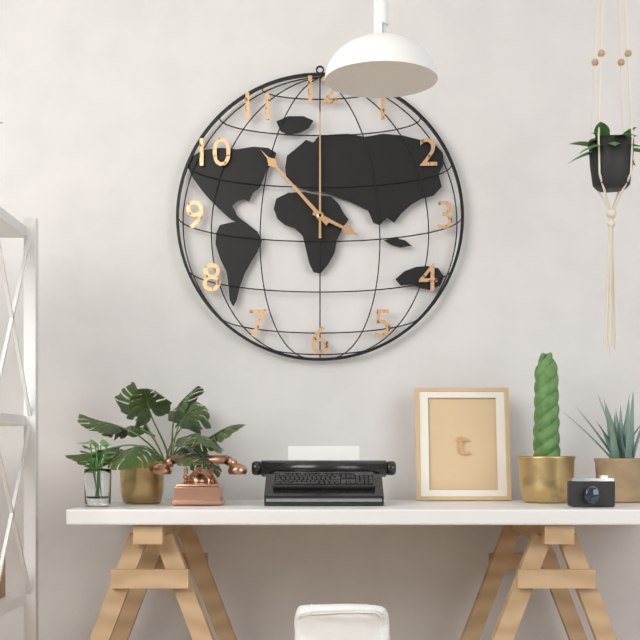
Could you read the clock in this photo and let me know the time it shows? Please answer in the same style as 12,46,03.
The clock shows 3,53,00
